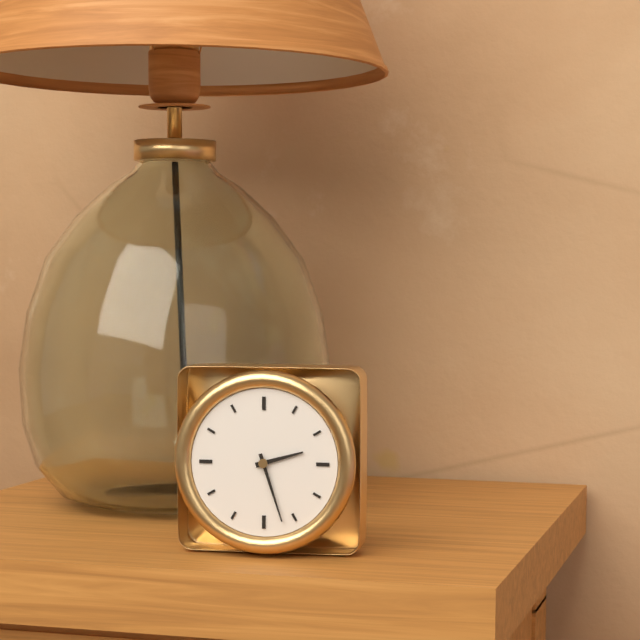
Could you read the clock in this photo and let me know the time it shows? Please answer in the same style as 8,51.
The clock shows 2,27
